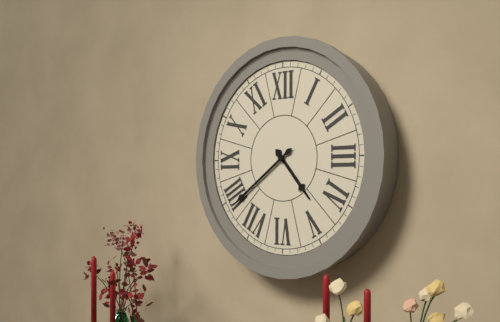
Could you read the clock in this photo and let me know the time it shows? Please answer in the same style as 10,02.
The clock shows 4,39
